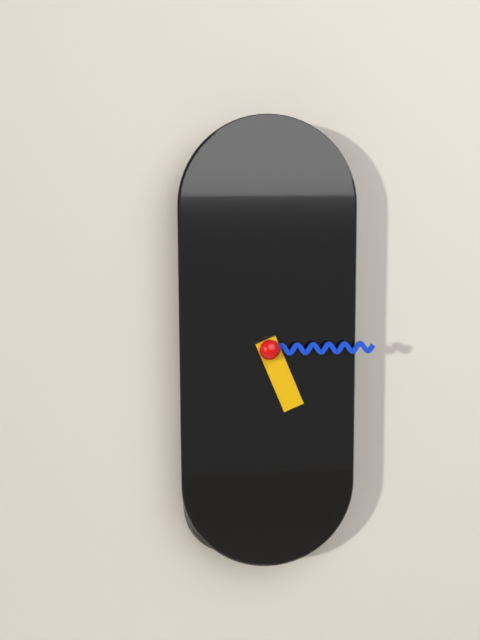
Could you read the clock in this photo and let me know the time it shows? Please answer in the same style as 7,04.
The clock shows 5,15
